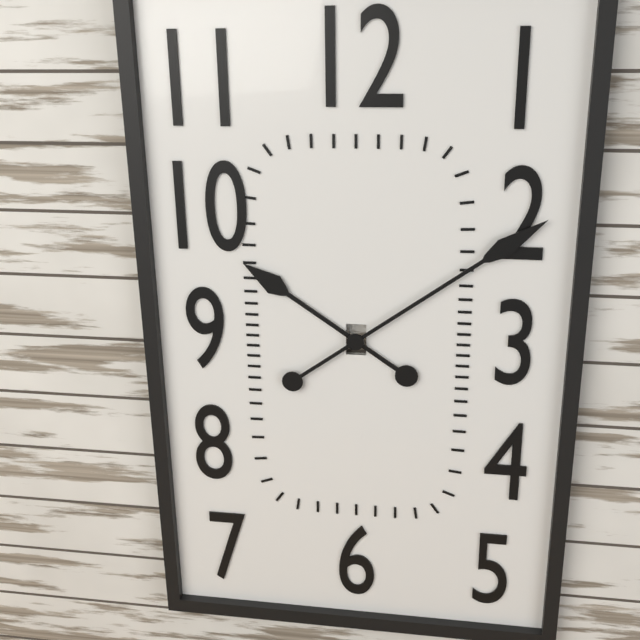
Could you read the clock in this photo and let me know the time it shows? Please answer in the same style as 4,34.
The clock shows 10,09
